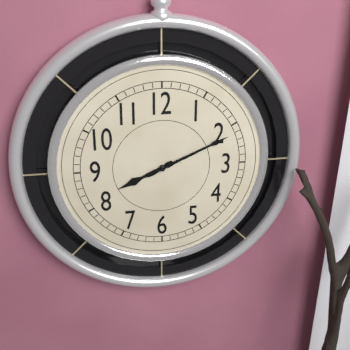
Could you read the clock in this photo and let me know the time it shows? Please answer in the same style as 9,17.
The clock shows 8,11
